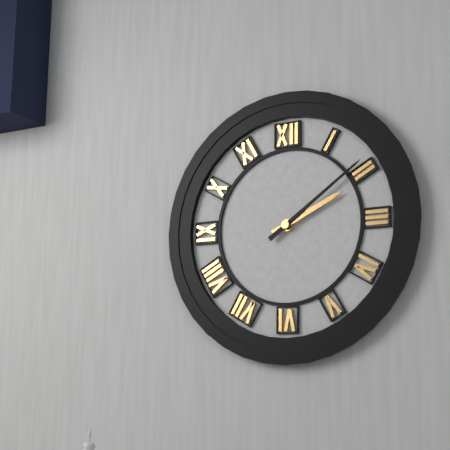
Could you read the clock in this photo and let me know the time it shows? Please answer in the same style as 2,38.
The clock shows 2,09
